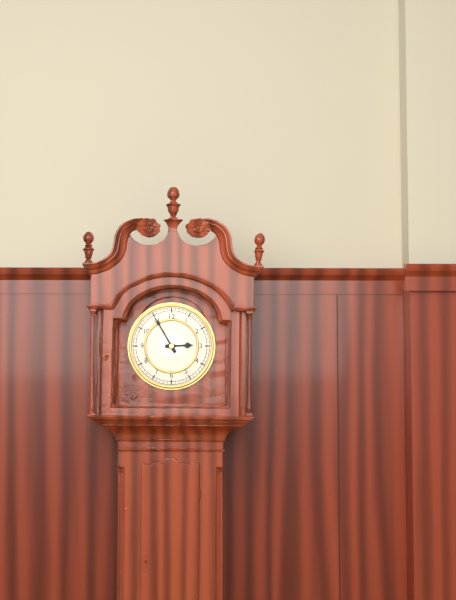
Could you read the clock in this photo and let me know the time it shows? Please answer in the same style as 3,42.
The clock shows 2,55
